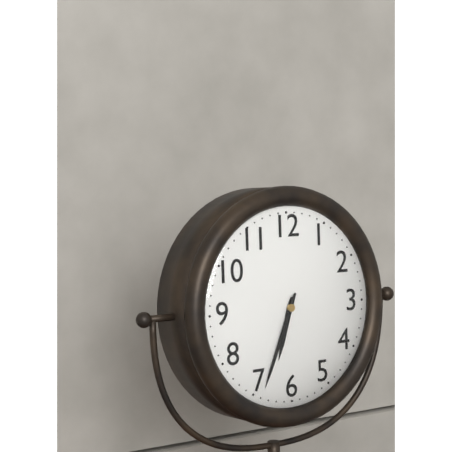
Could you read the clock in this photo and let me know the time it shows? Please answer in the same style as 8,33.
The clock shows 6,34
